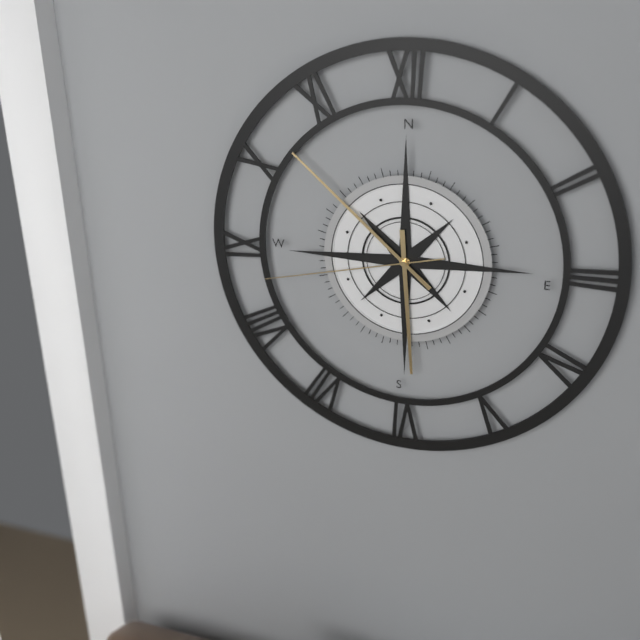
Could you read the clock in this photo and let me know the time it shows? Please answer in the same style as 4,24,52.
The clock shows 5,52,43
